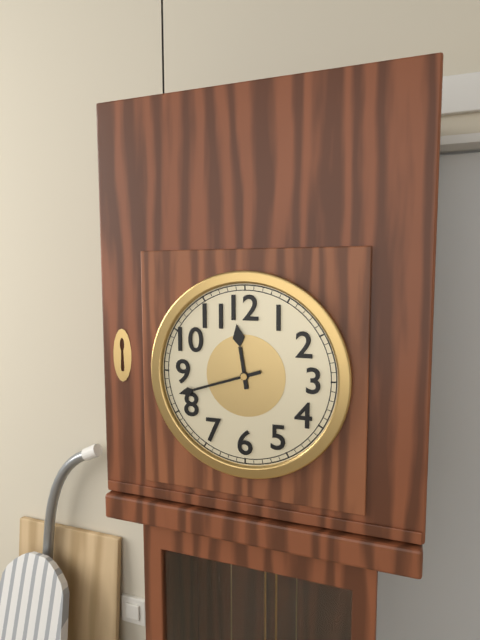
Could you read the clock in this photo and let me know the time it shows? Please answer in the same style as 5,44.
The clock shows 11,42
